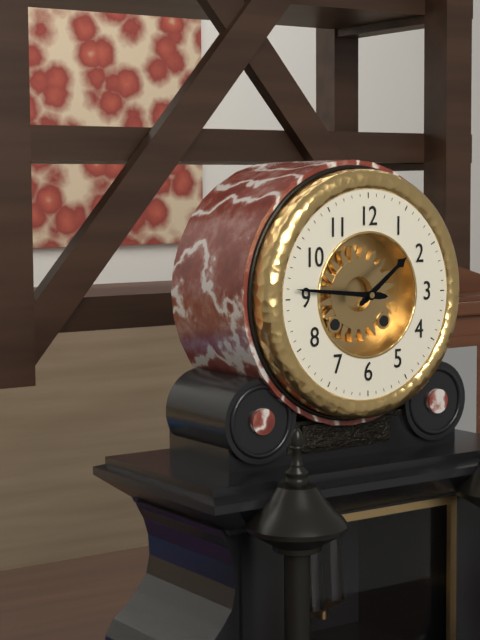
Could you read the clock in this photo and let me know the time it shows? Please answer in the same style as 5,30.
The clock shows 1,46
